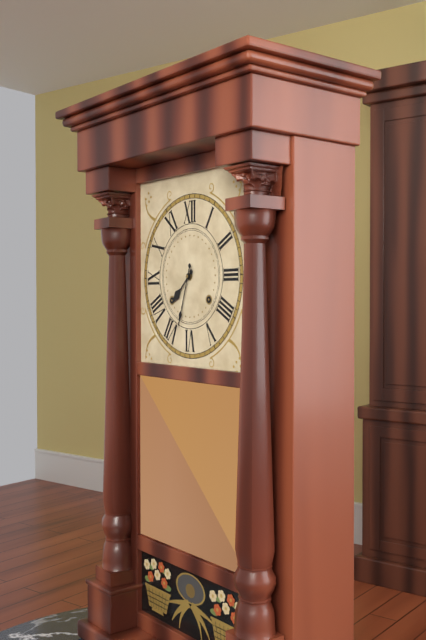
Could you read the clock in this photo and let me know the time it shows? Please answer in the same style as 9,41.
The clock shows 7,33
